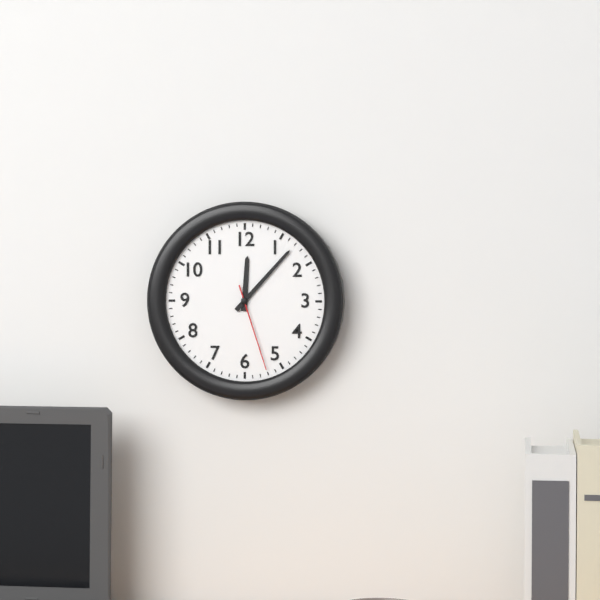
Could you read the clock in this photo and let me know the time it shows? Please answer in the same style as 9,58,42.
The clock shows 12,07,27
